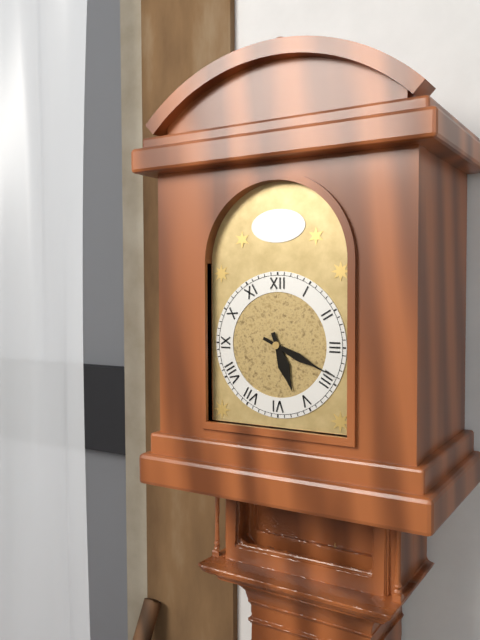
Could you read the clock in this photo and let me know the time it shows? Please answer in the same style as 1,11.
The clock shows 5,19
